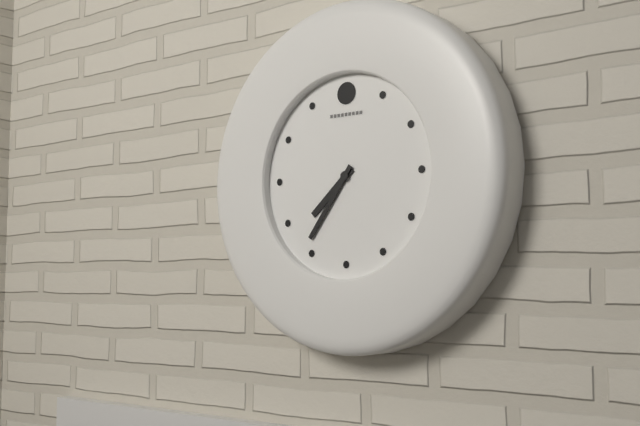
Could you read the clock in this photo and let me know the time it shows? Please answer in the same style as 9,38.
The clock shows 7,36
